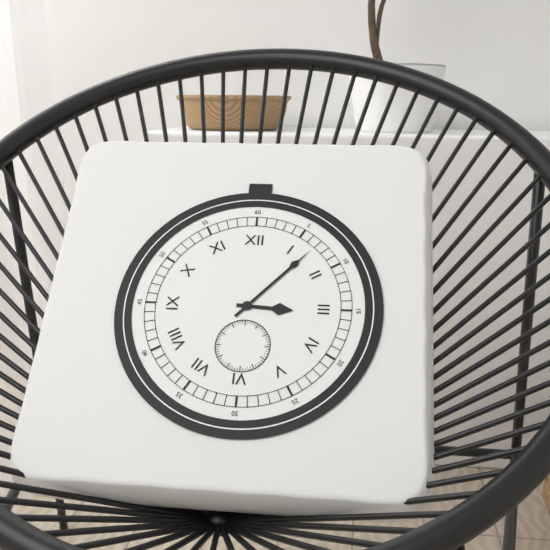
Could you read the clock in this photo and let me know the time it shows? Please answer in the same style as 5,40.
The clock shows 3,07
